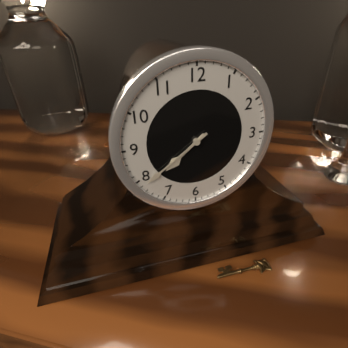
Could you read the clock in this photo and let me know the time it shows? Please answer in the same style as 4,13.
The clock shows 7,39
